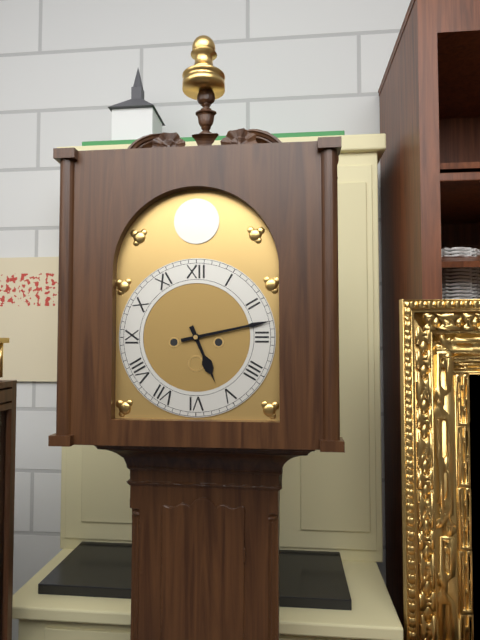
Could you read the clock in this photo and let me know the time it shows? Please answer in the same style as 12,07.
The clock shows 5,13
